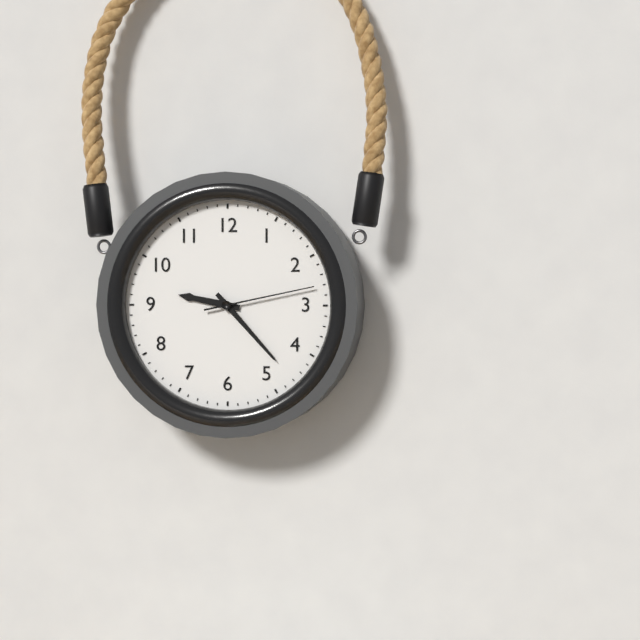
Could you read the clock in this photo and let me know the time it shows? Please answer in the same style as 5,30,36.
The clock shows 9,23,13
